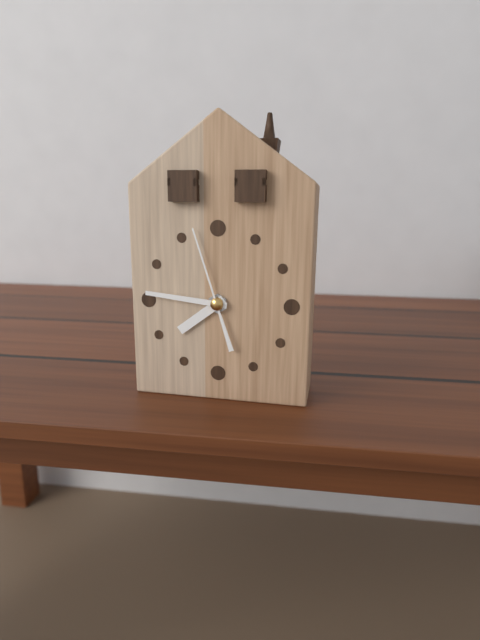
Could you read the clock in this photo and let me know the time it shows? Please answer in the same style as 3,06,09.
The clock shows 7,46,57
